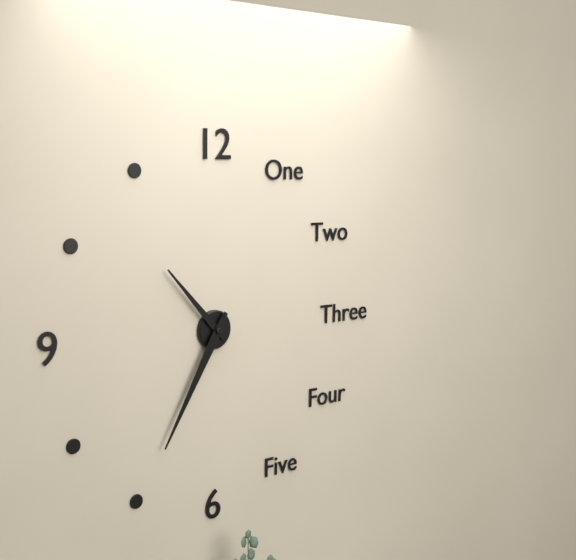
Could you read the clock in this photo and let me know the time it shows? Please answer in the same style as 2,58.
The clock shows 10,35
